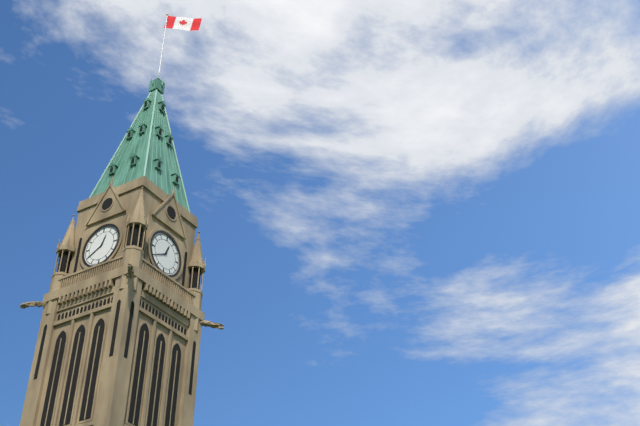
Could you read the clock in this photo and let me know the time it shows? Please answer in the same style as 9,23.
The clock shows 12,40
